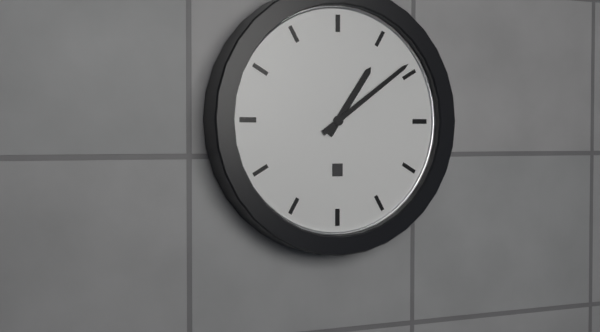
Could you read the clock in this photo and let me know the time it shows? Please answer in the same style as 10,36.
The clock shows 1,09
